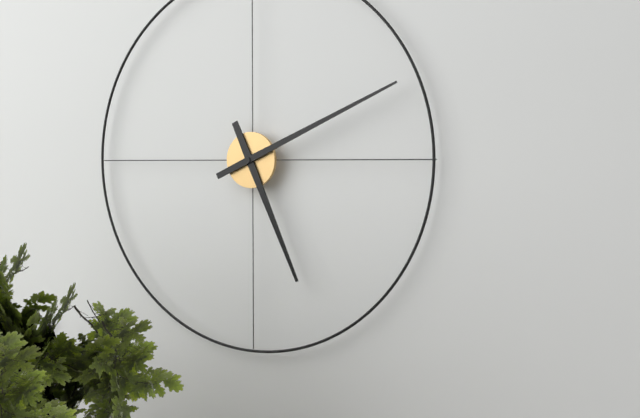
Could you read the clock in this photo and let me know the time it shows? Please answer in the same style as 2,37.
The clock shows 5,11
